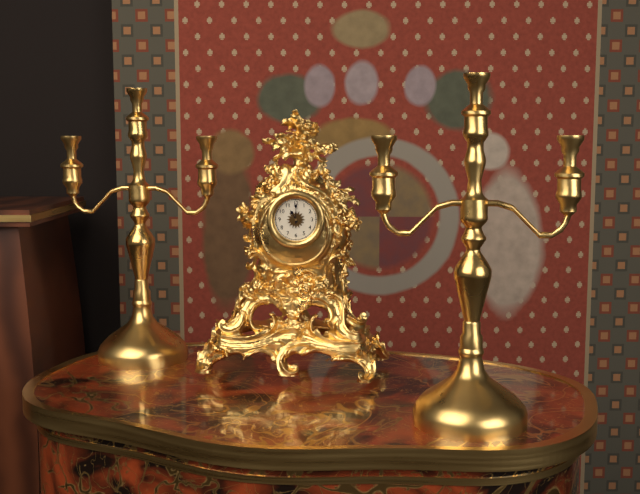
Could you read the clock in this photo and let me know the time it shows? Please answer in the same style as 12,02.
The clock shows 11,00
